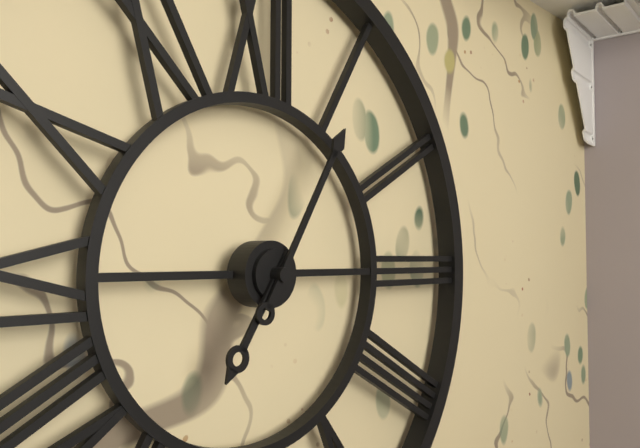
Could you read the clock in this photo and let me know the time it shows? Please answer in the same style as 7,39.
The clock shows 7,05
